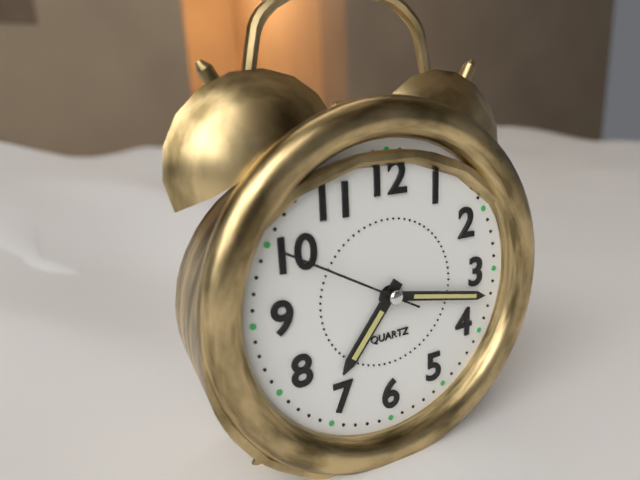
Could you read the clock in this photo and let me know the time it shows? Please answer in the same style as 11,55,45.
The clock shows 7,17,50
